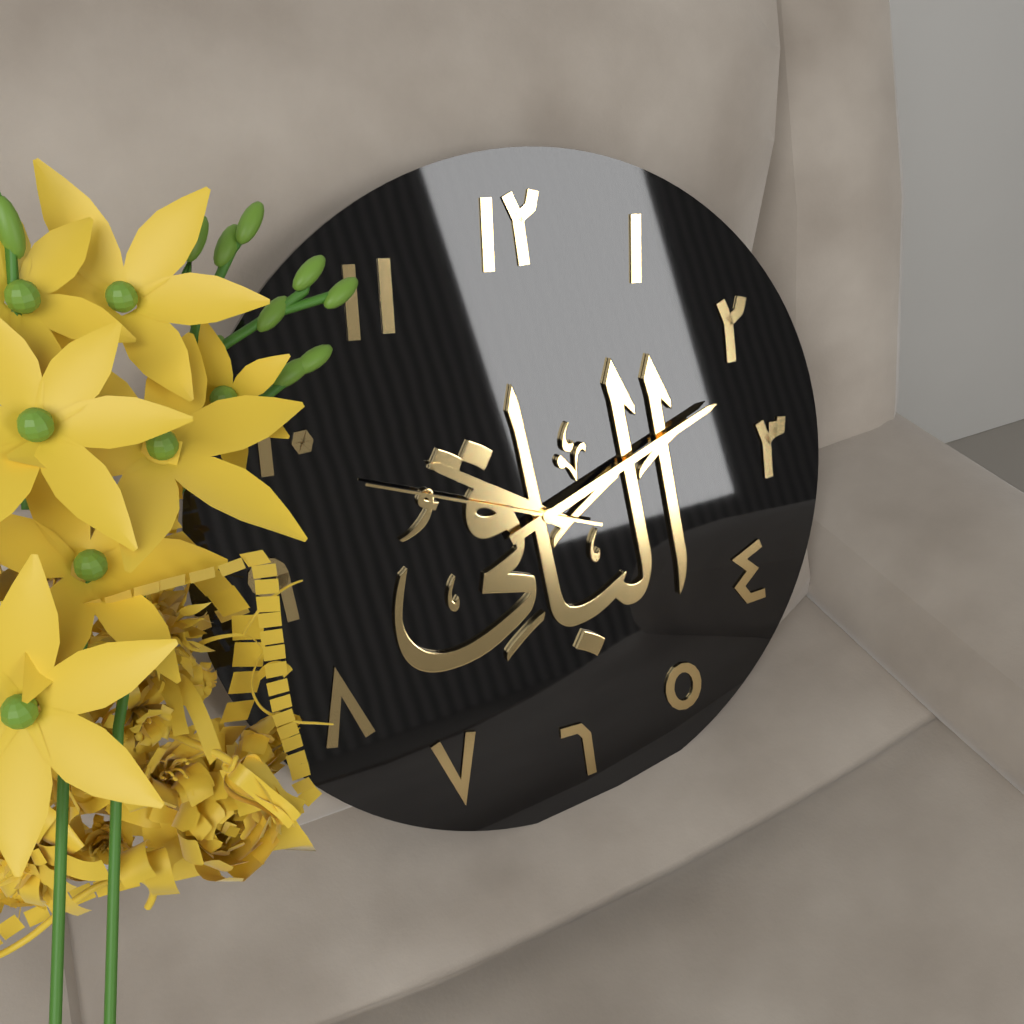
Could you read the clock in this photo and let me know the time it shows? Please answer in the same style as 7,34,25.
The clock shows 10,12,49
